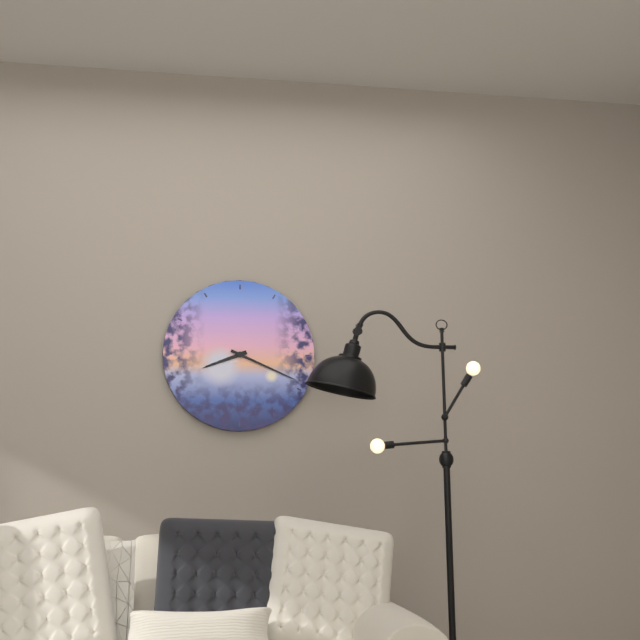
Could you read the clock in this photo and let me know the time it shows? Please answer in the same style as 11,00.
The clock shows 8,19
